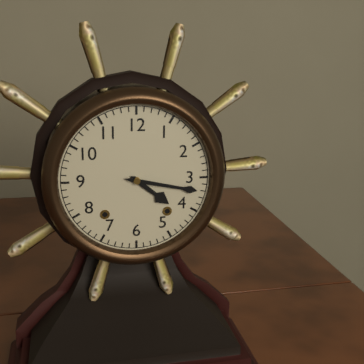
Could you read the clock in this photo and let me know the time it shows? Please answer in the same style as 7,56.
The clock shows 4,17
